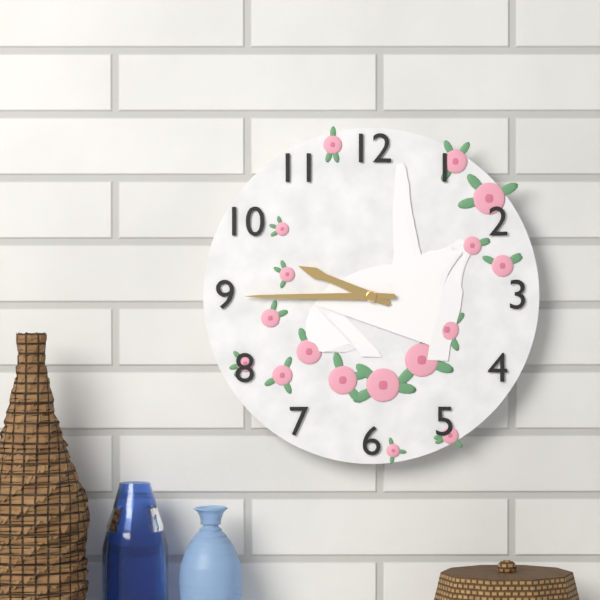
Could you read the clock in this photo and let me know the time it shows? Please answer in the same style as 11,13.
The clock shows 9,45
